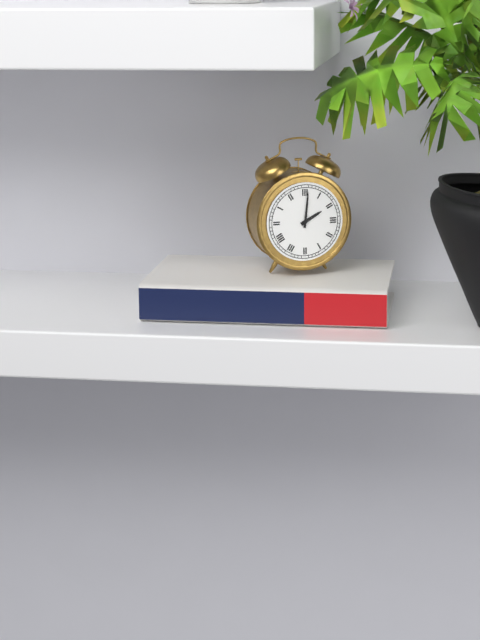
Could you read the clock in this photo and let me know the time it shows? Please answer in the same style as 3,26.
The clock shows 2,01
